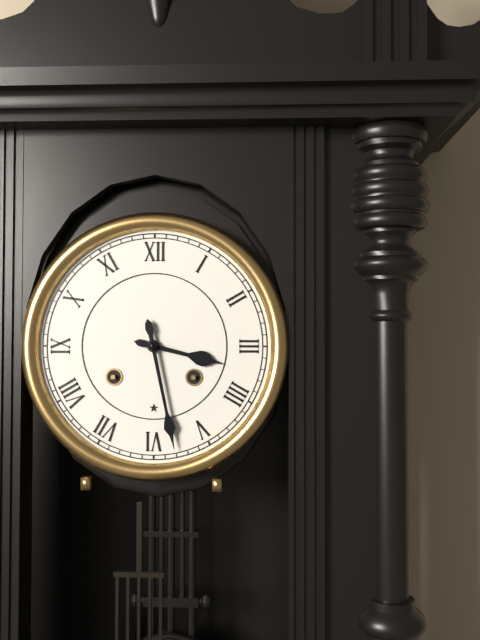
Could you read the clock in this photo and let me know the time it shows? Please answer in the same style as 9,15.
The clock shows 3,28
